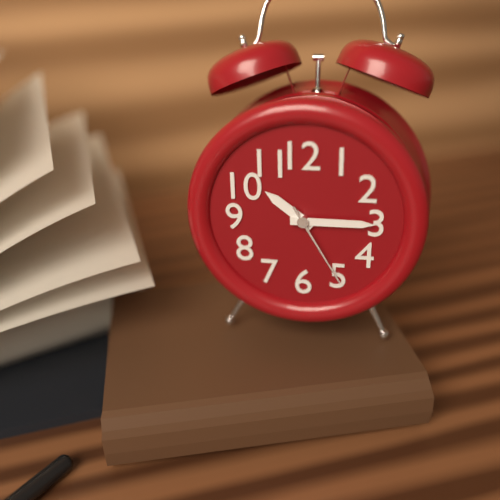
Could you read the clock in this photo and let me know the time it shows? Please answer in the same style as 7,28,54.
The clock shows 10,15,25
